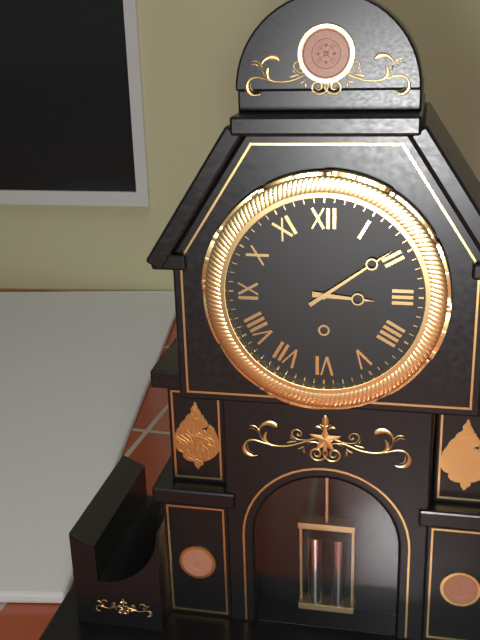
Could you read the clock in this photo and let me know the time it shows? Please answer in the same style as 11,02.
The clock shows 3,09
